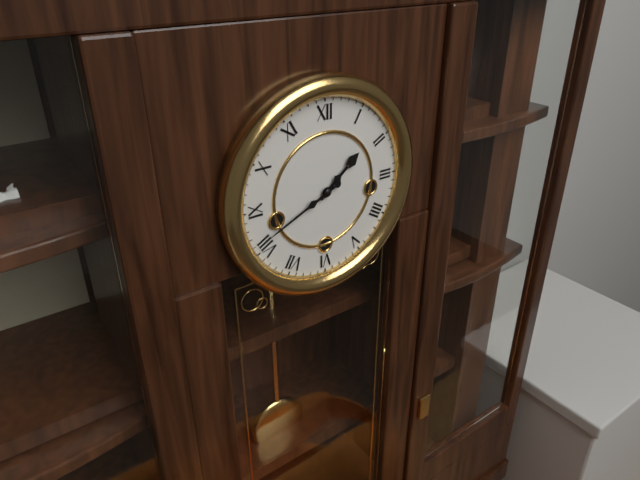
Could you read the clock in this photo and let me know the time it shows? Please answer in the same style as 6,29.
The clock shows 1,41
